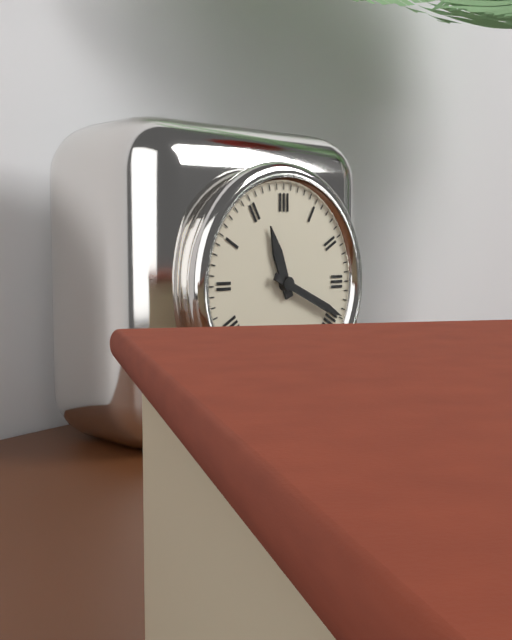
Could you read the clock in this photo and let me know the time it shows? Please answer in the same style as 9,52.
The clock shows 11,19
